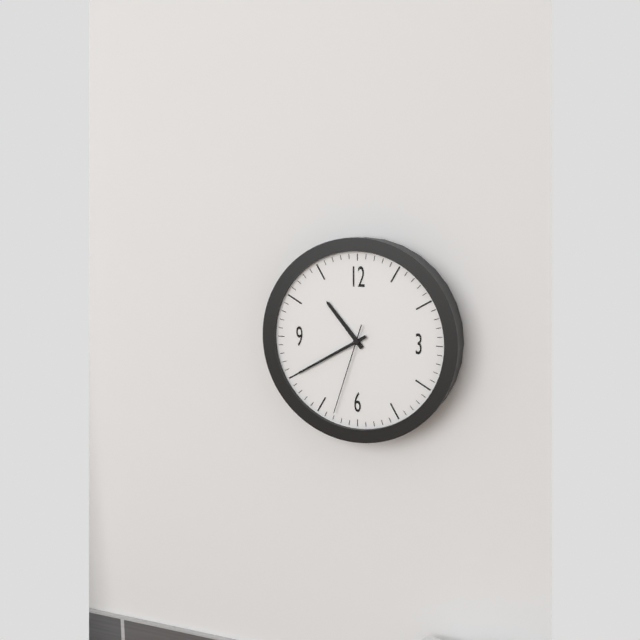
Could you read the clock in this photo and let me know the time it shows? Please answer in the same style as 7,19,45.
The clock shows 10,40,33
